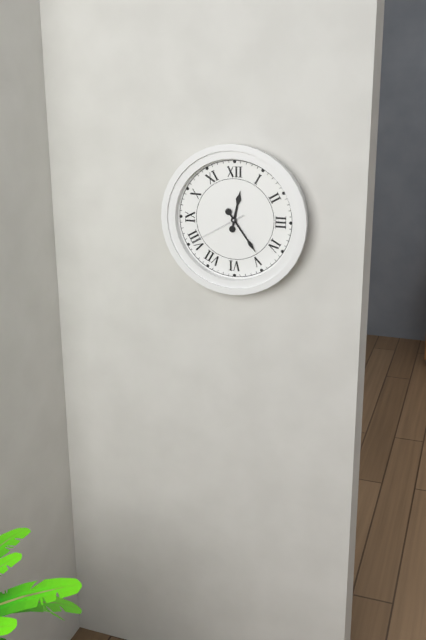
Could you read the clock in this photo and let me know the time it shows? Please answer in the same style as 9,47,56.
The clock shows 12,24,40
